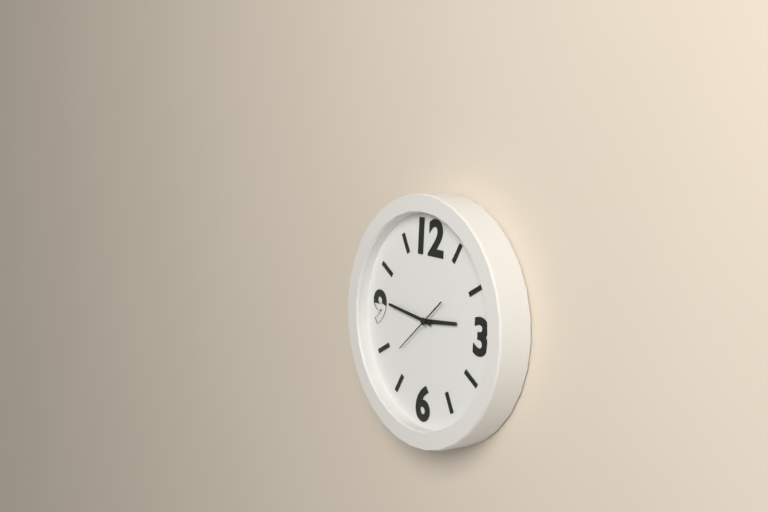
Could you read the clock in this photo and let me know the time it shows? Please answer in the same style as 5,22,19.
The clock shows 2,46,38
